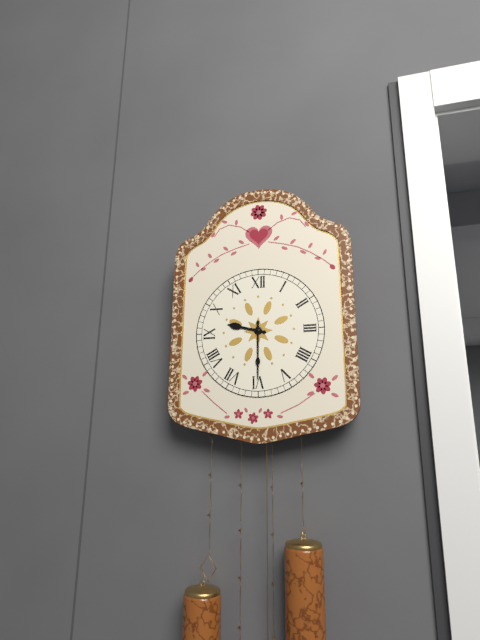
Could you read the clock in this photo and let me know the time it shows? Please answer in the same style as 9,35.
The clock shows 9,30
